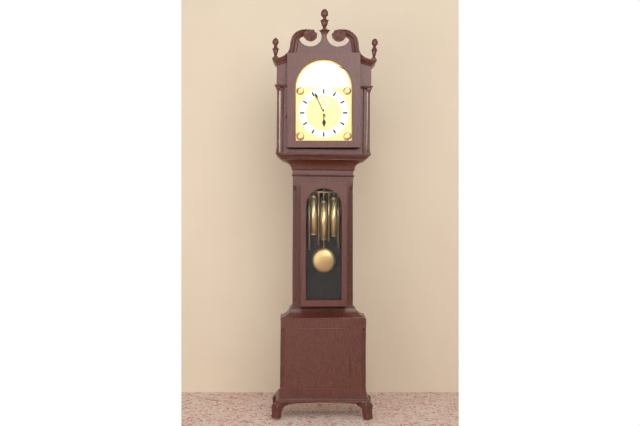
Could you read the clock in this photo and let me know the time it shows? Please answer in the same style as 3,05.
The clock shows 5,56
